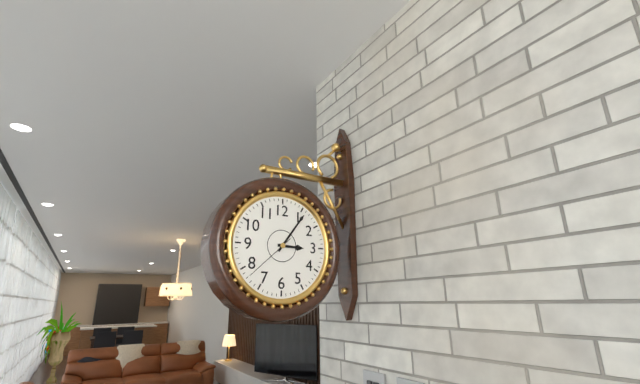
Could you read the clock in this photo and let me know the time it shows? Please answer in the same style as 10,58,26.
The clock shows 3,06,38
